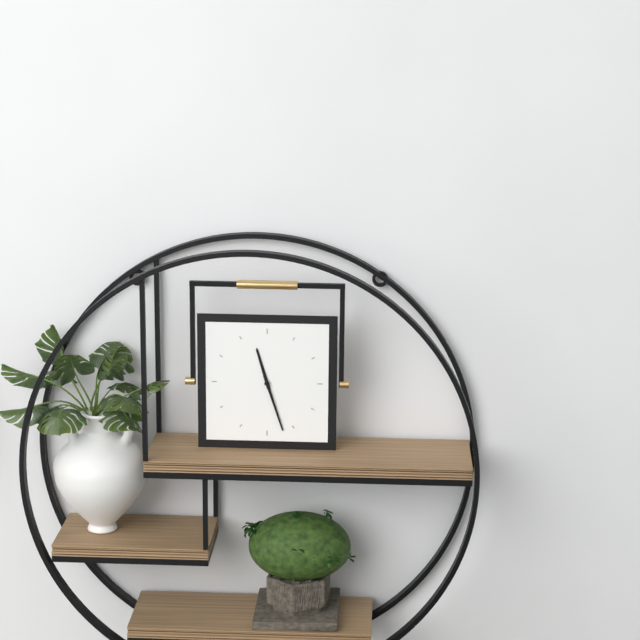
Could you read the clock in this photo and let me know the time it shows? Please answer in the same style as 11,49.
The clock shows 11,27
